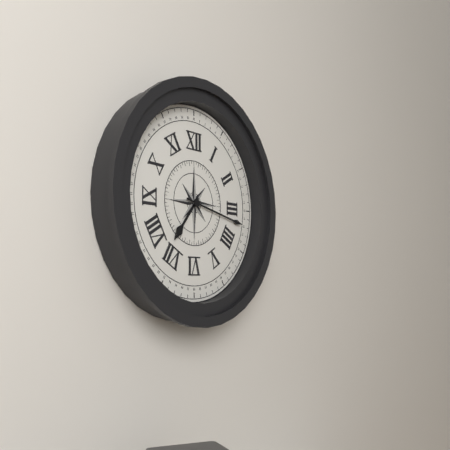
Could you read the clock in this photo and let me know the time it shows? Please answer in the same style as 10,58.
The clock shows 7,17
